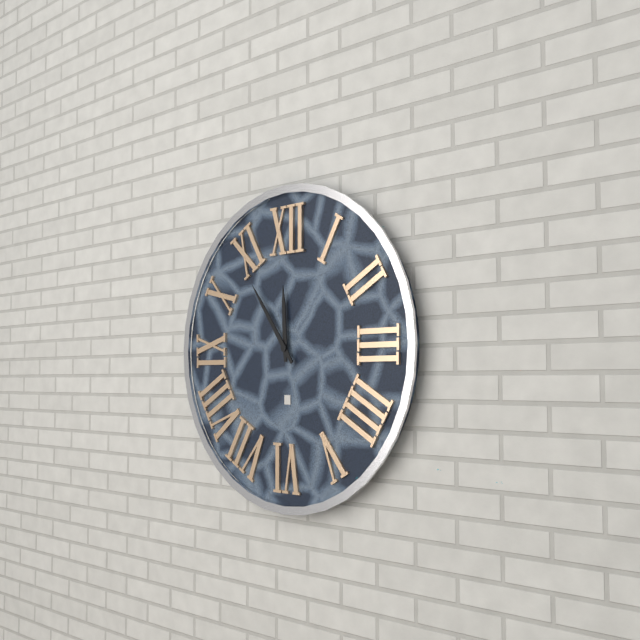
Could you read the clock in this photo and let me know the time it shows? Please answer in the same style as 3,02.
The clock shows 11,54
